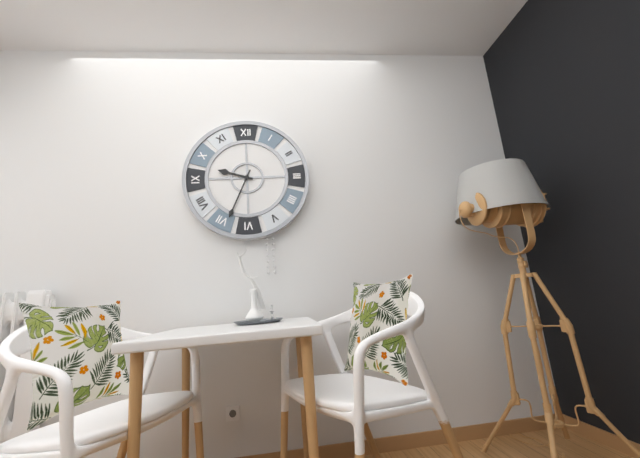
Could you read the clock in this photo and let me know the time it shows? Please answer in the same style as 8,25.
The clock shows 9,34
